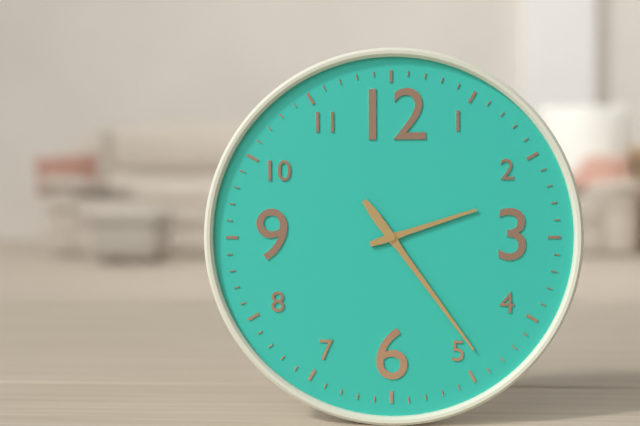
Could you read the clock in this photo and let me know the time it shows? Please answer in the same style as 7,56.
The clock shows 2,24
